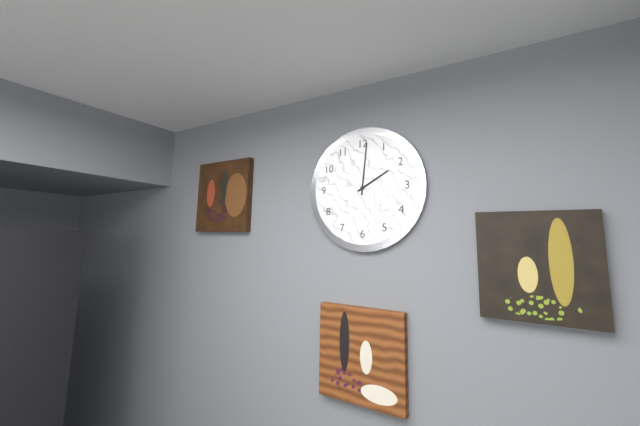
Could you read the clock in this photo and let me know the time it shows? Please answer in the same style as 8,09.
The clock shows 2,01
